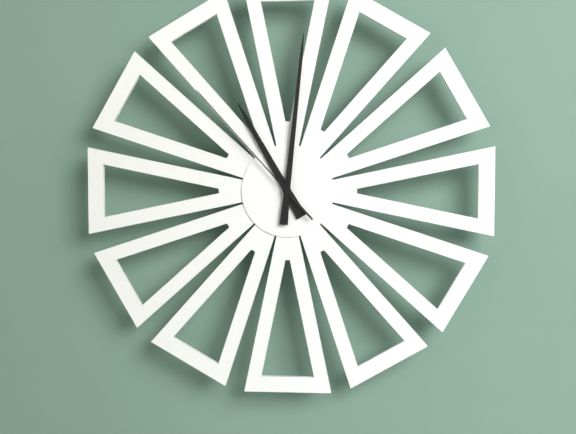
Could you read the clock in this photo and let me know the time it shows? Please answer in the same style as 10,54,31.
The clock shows 11,01,53
